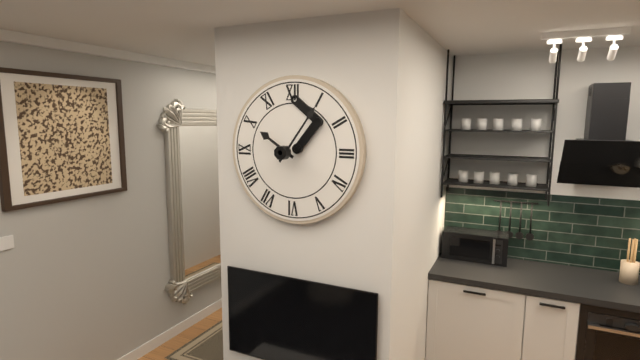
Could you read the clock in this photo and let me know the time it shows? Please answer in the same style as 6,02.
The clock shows 10,06
